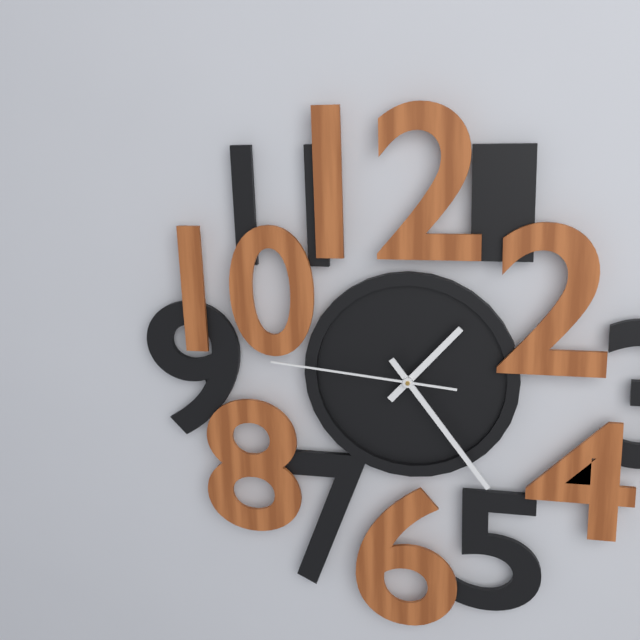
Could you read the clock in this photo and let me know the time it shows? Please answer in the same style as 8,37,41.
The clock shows 1,24,46
